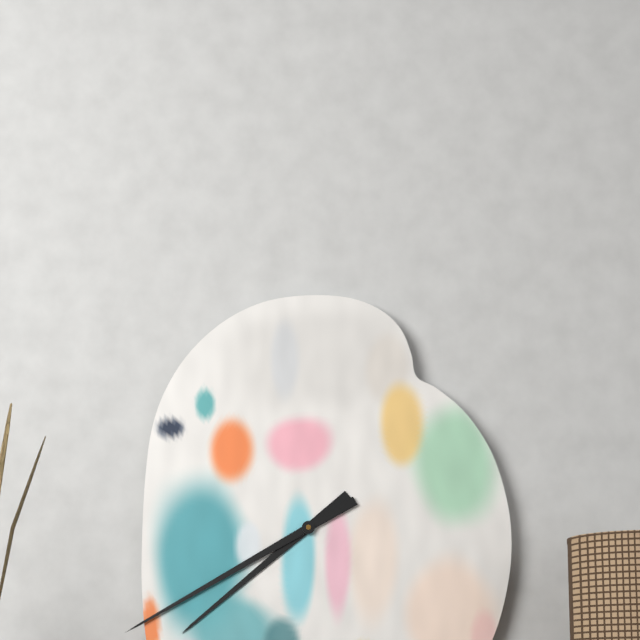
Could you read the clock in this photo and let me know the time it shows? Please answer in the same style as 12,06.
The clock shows 7,40
